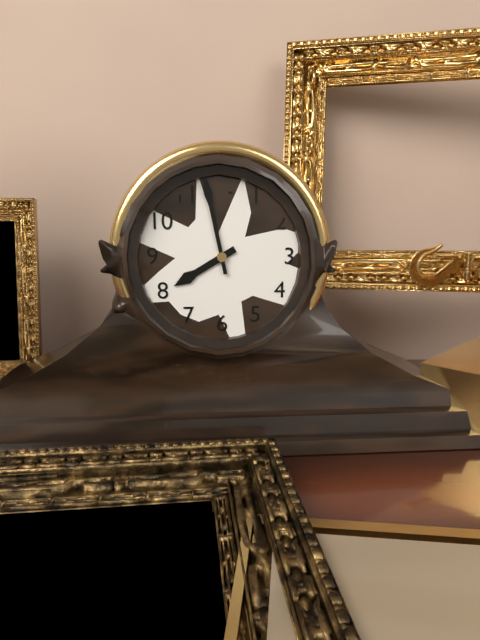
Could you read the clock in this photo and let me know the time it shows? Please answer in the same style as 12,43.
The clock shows 7,58
